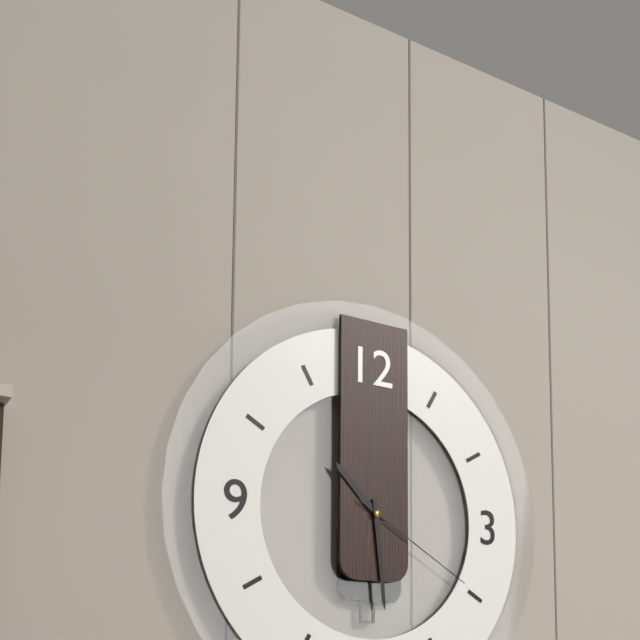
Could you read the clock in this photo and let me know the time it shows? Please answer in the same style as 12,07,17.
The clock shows 10,29,20
